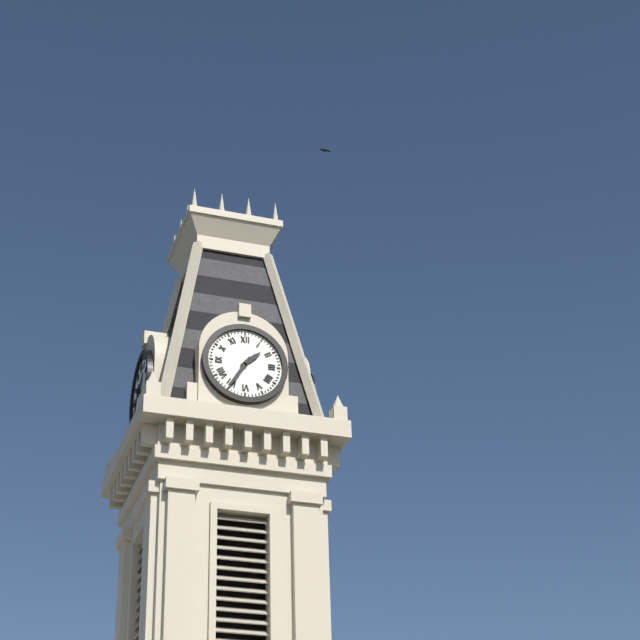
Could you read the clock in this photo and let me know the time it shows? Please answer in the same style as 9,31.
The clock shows 1,35
